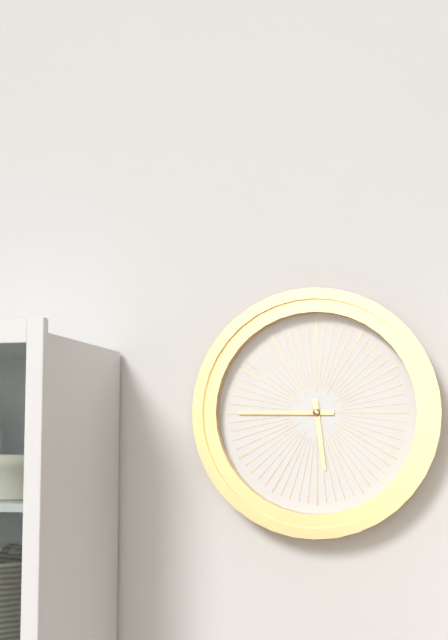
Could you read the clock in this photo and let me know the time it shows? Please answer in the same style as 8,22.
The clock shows 5,45
